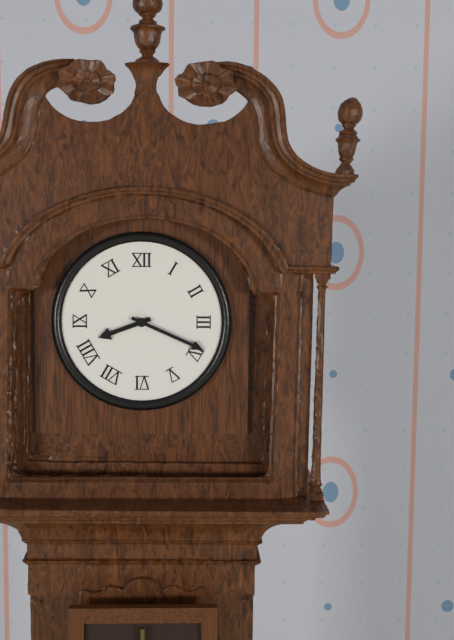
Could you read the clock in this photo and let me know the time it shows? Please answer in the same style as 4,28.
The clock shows 8,19
